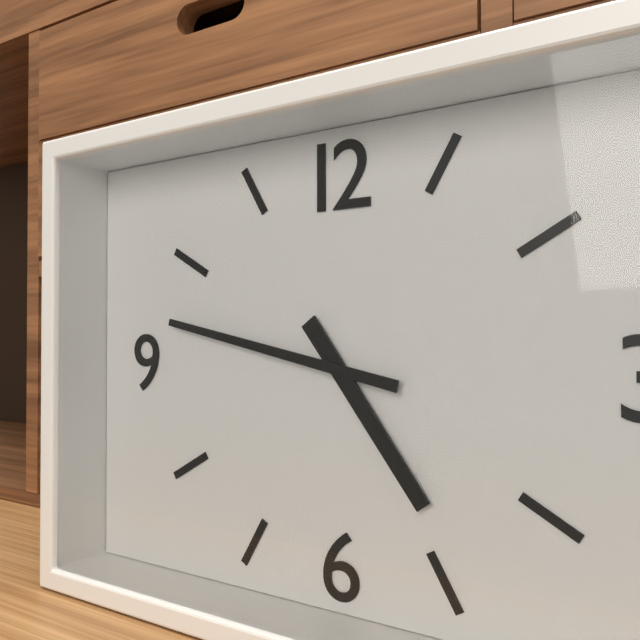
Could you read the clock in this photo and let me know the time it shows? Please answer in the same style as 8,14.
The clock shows 4,47
